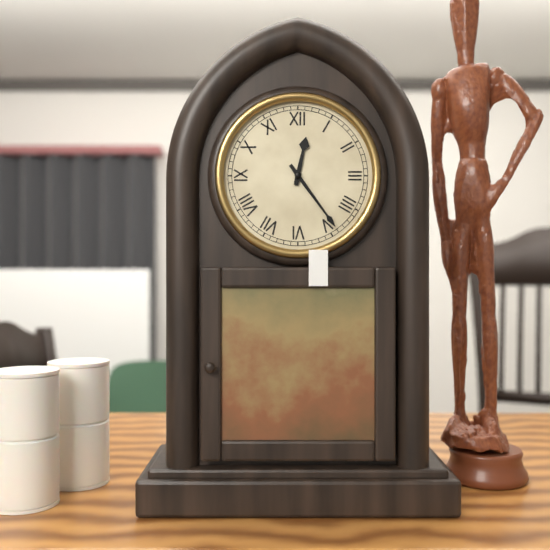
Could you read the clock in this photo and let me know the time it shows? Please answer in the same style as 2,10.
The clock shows 12,24
